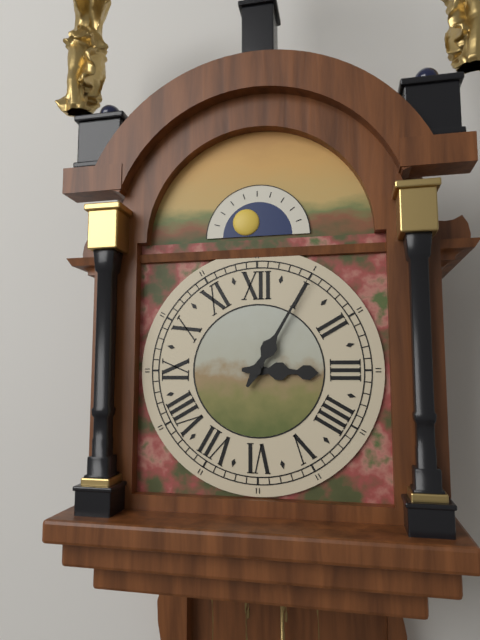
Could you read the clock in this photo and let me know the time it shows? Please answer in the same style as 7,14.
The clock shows 3,05
